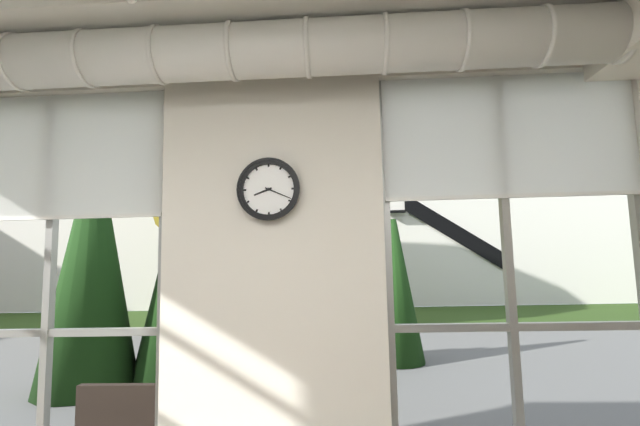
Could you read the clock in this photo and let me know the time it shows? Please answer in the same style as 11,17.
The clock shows 8,19
